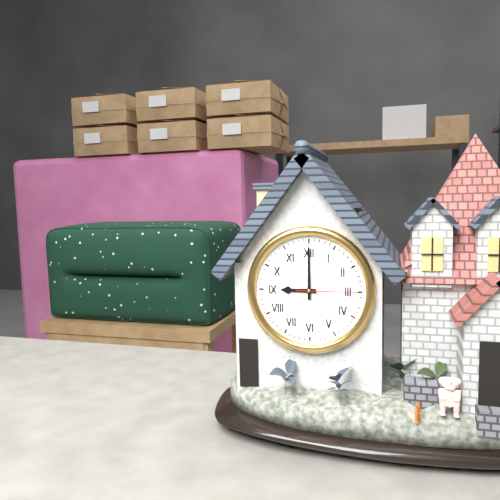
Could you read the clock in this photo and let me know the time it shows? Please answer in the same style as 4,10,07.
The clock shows 9,00,15
